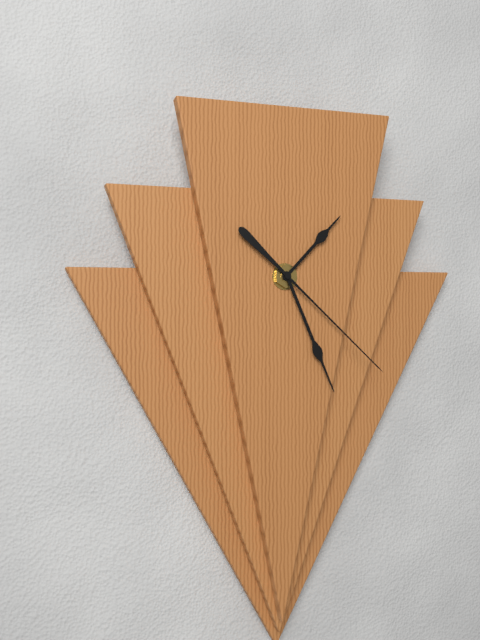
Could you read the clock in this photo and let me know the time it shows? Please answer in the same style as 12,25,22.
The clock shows 1,26,22
